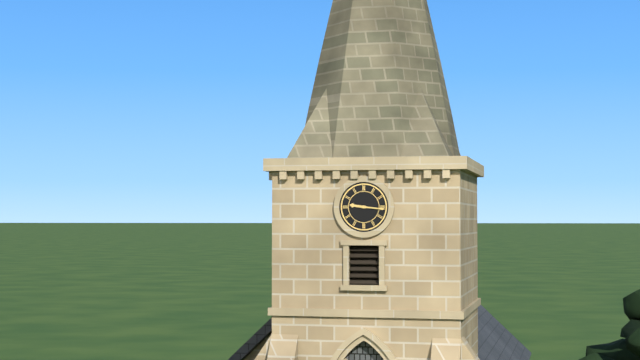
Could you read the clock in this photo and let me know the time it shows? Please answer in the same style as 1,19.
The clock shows 9,16
